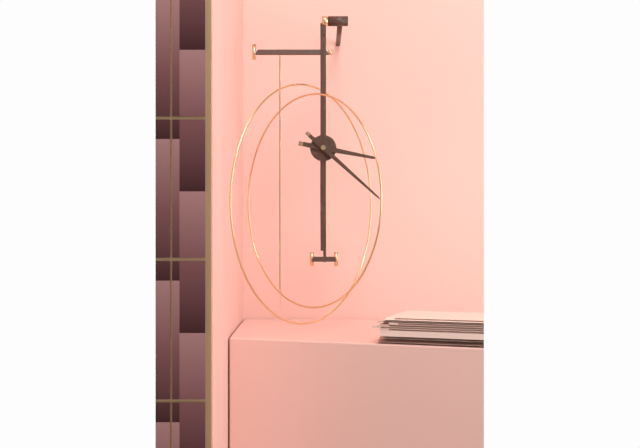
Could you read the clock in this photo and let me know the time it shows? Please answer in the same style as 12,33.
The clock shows 3,22
